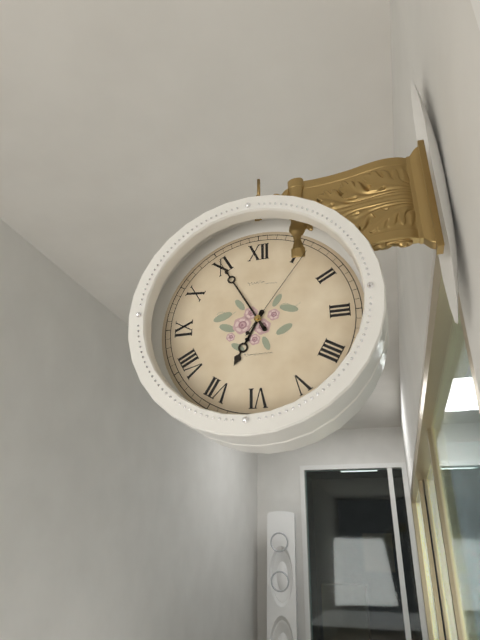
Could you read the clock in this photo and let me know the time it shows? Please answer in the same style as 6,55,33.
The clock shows 6,55,06
